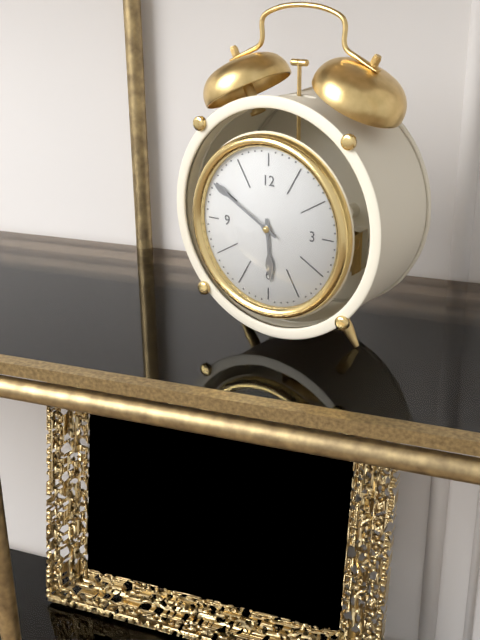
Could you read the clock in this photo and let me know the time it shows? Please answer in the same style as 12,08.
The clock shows 5,50
